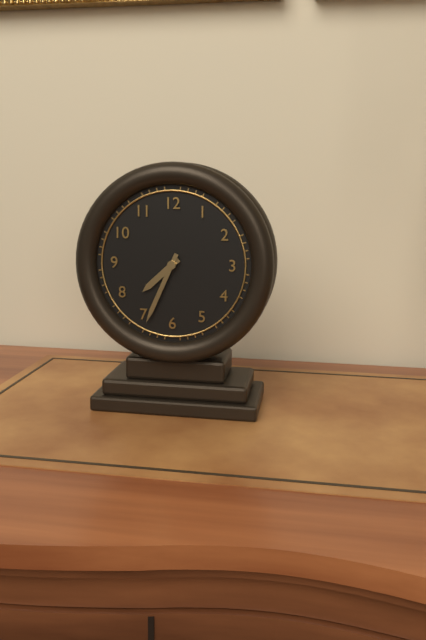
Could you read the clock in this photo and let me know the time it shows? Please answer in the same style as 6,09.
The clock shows 7,34
